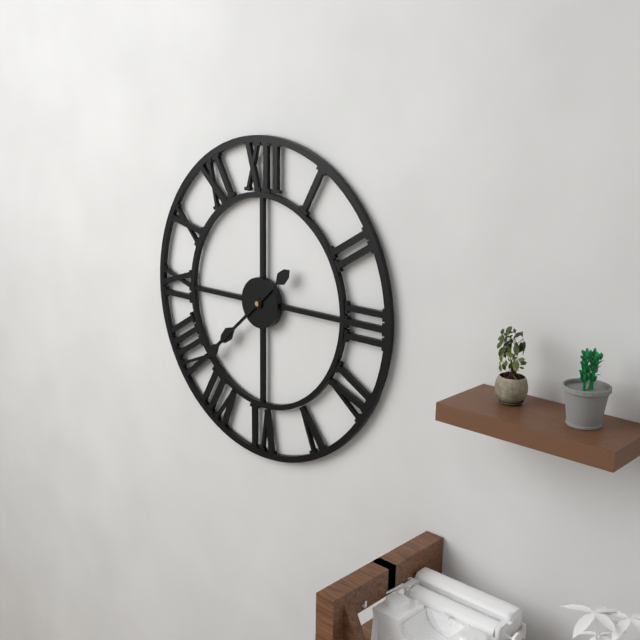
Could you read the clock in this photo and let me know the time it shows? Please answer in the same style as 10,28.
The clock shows 7,38
